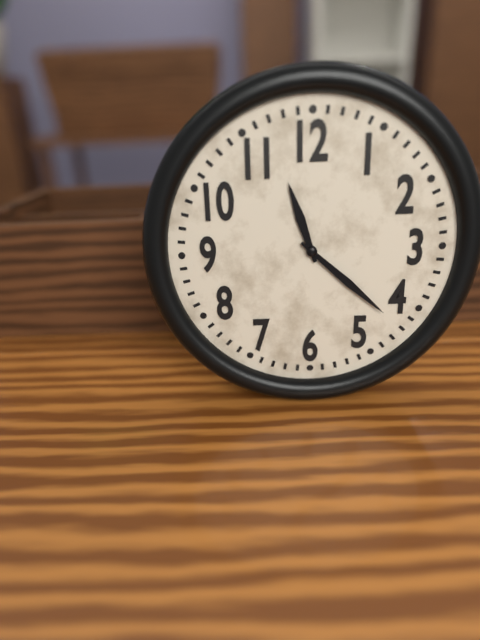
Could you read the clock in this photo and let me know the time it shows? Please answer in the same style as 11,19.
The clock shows 11,22
